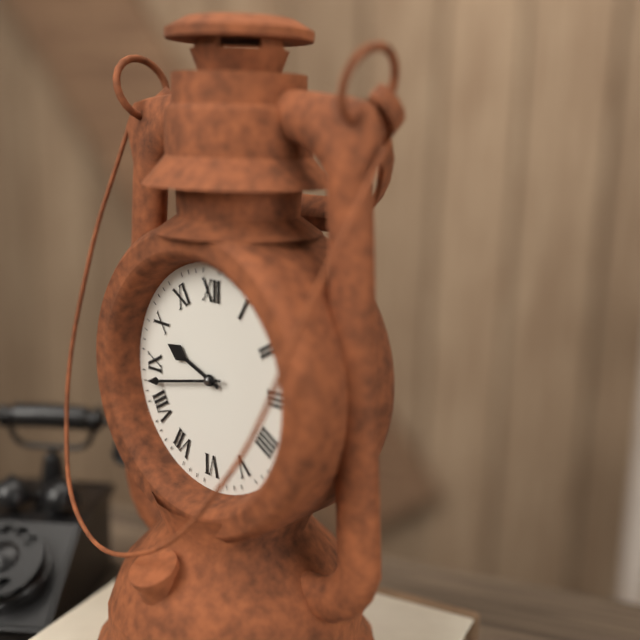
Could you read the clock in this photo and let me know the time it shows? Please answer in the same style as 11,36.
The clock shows 9,43
